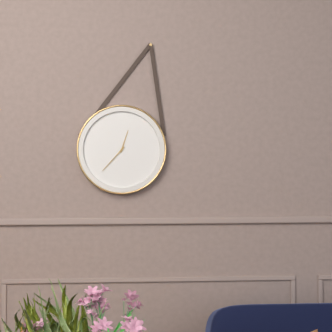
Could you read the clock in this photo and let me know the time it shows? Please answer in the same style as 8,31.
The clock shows 12,37
